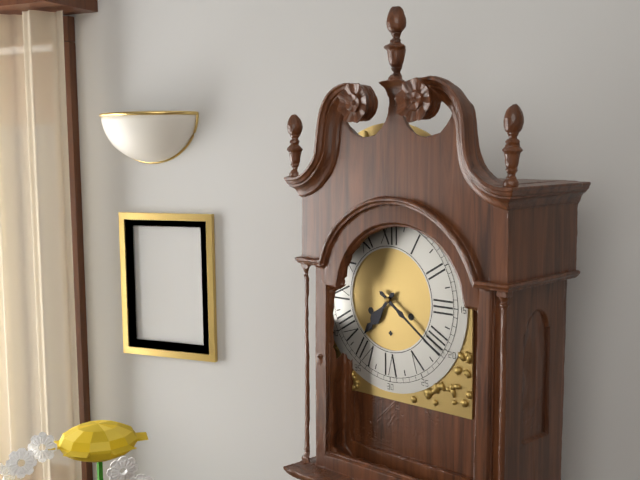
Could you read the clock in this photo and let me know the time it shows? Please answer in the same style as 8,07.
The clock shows 7,21
